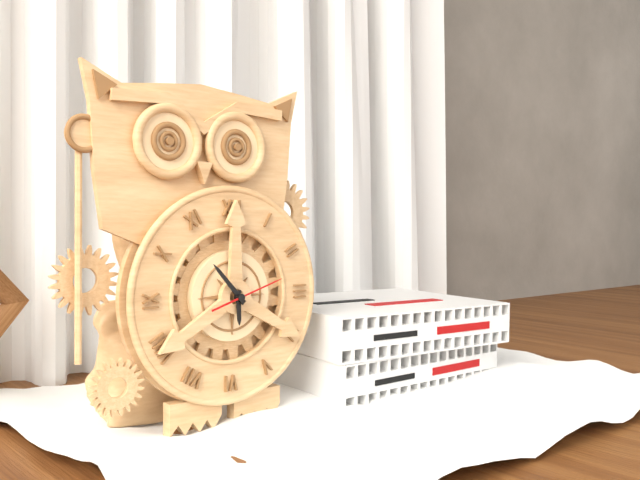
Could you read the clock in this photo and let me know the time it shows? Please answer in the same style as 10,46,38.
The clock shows 5,53,12
